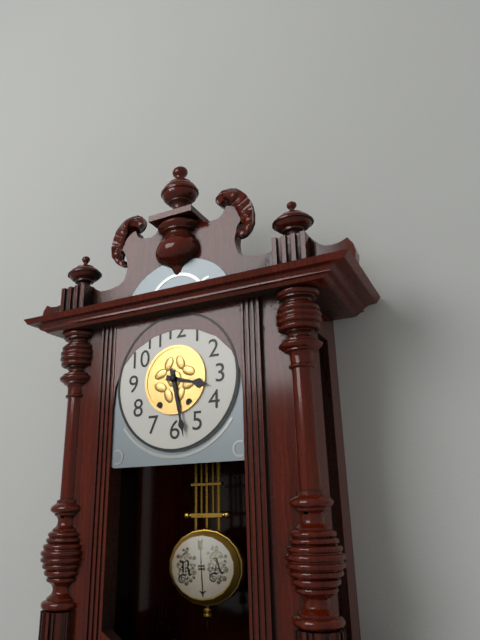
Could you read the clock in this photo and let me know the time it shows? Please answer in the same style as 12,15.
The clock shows 3,28
